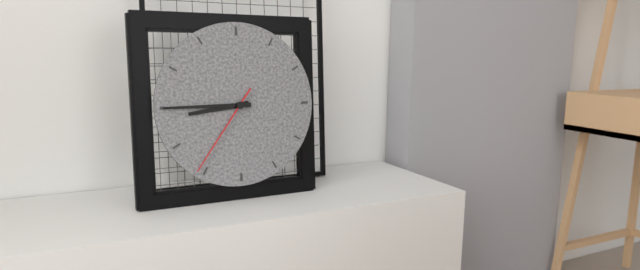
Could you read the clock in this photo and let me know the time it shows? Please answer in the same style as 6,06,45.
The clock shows 8,45,36
